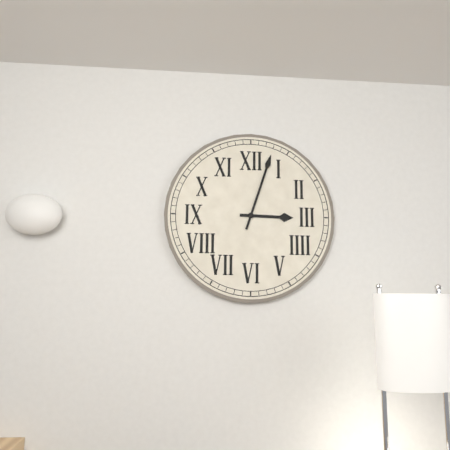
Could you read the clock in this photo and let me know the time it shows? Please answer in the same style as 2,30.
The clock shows 3,03
